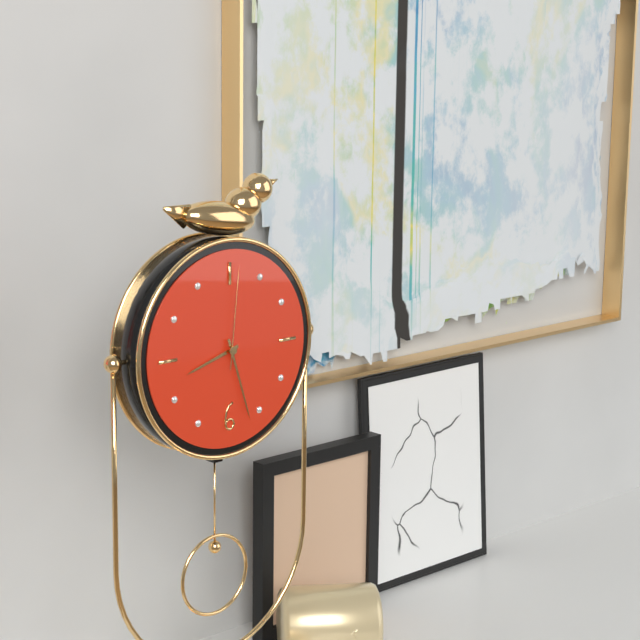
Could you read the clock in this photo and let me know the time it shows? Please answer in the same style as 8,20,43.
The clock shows 8,27,01
